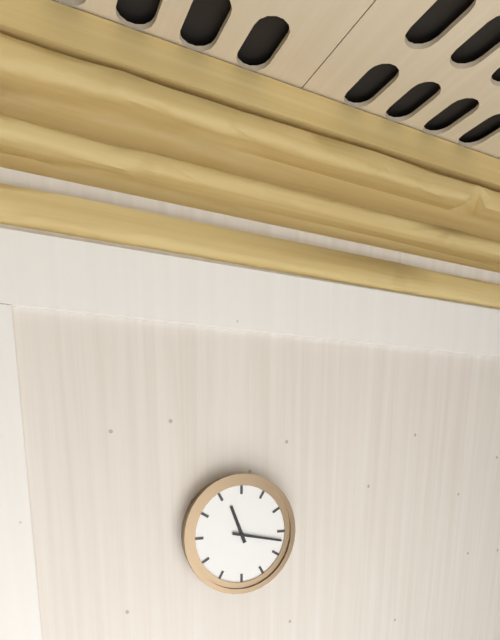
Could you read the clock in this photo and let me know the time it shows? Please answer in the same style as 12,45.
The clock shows 11,17
